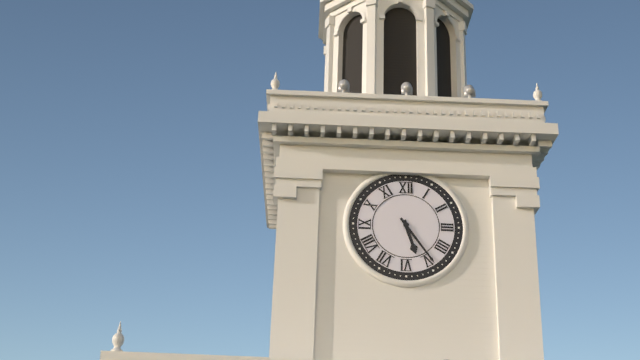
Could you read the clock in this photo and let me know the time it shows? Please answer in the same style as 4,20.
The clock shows 5,24
